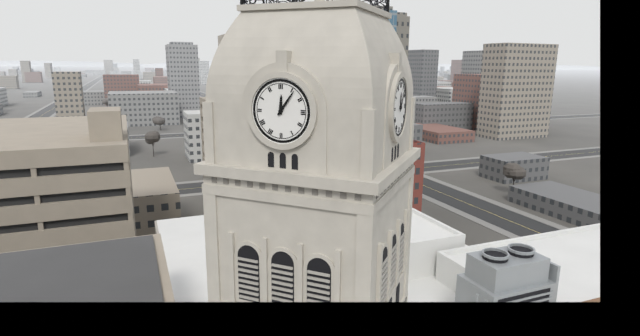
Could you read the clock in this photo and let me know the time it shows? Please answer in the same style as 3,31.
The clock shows 12,06
